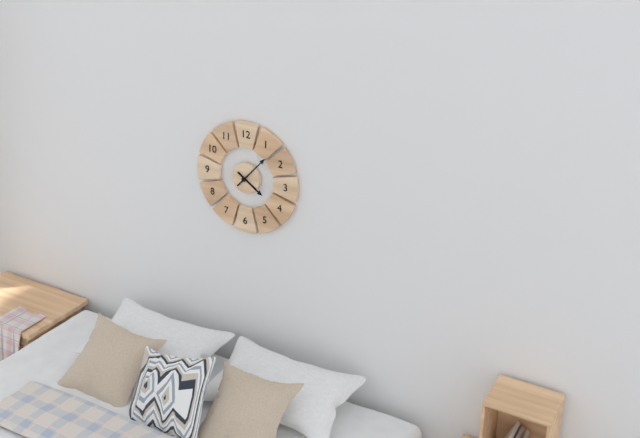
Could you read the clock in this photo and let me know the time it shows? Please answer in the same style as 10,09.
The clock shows 4,07
